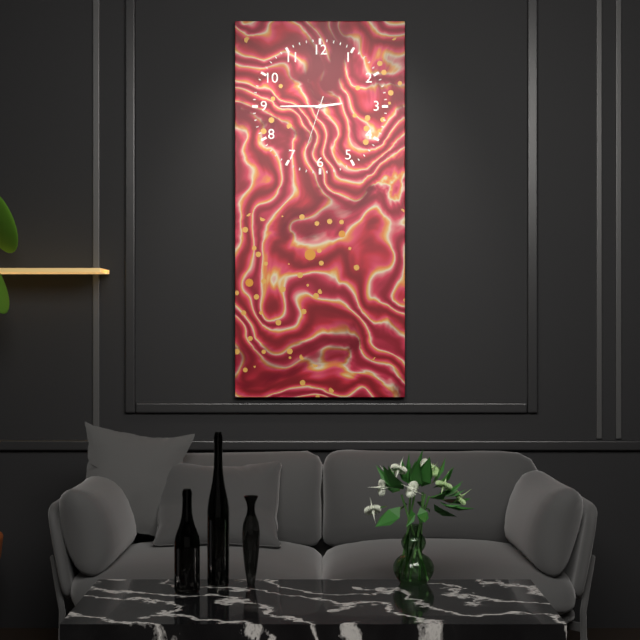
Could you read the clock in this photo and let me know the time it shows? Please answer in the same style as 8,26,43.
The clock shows 2,45,33
